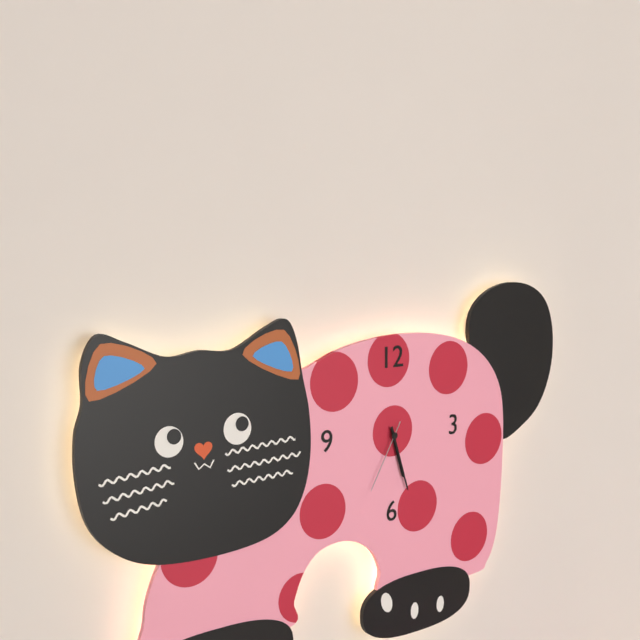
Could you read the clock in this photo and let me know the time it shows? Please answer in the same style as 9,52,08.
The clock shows 5,27,35
